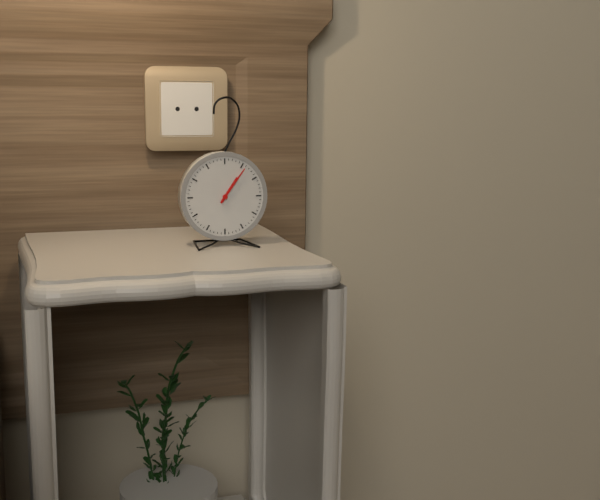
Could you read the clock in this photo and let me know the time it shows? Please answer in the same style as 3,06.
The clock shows 1,06
